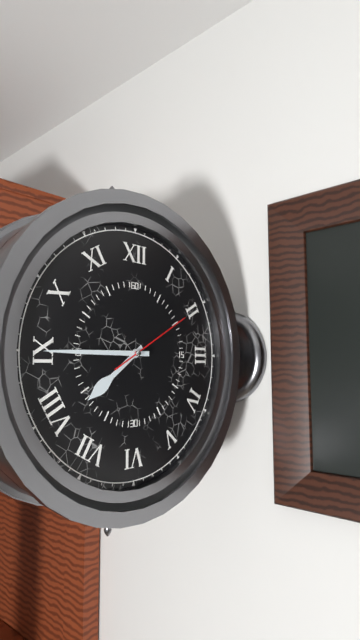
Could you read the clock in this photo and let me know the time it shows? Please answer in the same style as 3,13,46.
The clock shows 7,45,10
